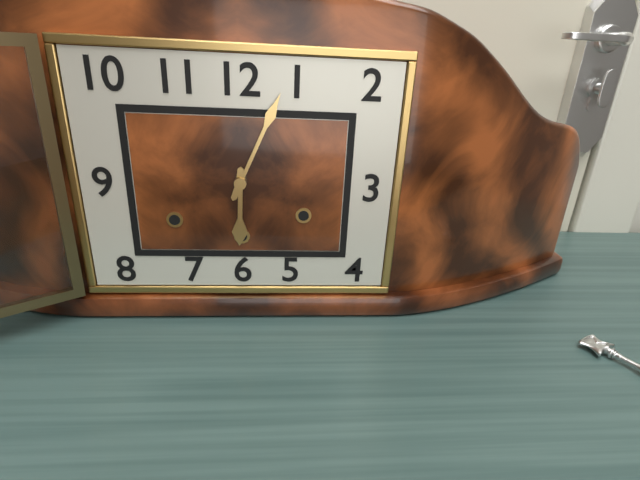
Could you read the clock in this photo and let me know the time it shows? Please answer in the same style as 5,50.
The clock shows 6,04
